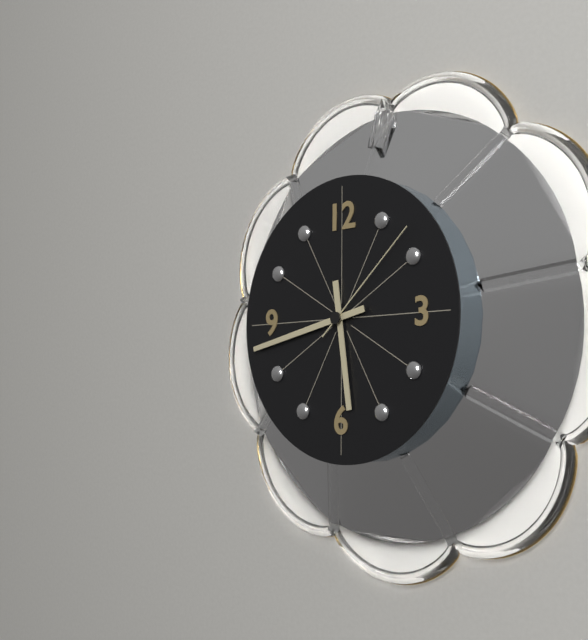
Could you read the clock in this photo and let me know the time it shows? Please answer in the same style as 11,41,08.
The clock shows 5,43,08
